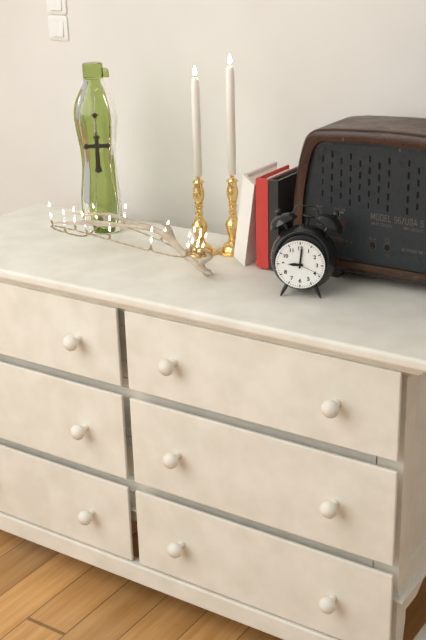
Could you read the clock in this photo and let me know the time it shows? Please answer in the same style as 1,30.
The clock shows 9,01
